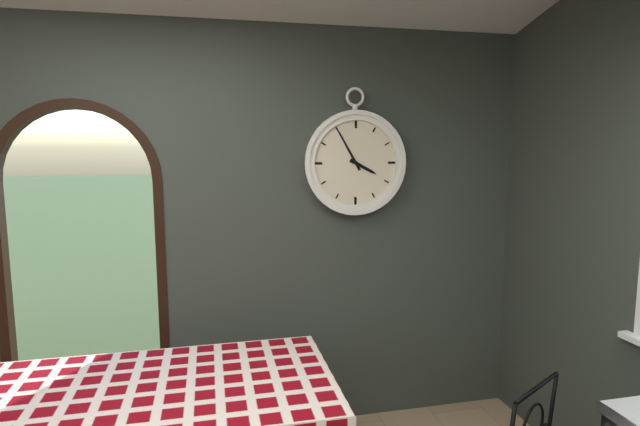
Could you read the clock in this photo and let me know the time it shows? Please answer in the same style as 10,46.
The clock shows 3,55
